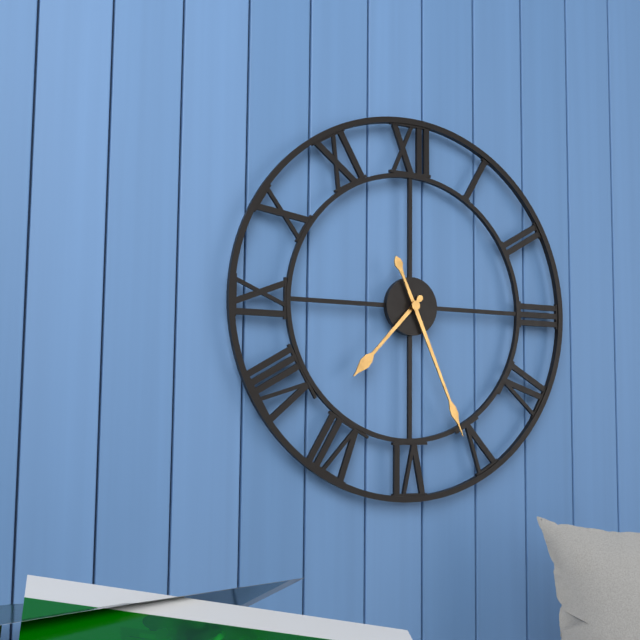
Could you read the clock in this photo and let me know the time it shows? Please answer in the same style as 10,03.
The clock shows 7,26
